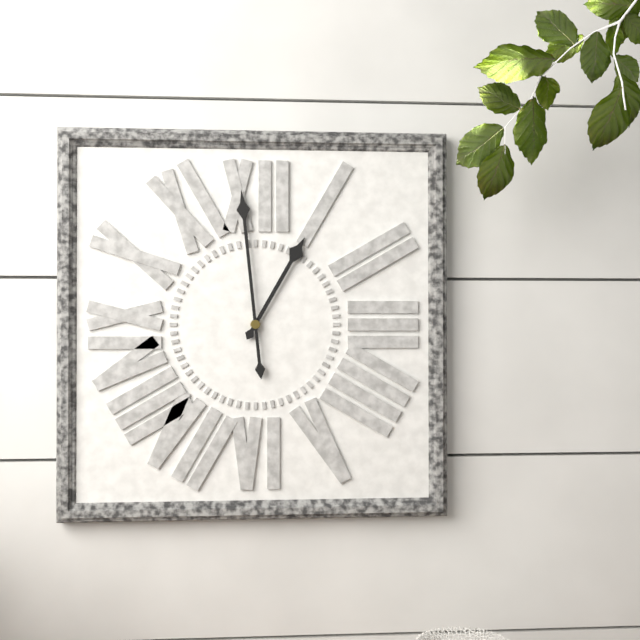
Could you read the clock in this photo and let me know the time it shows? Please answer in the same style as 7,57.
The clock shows 12,59
